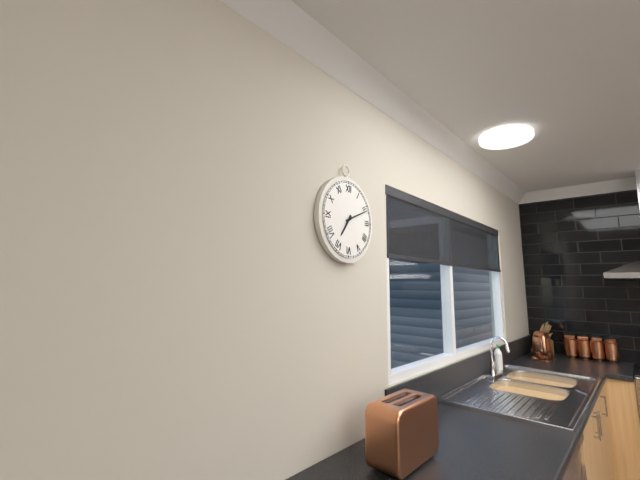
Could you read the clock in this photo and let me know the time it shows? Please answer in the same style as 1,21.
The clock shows 7,11
